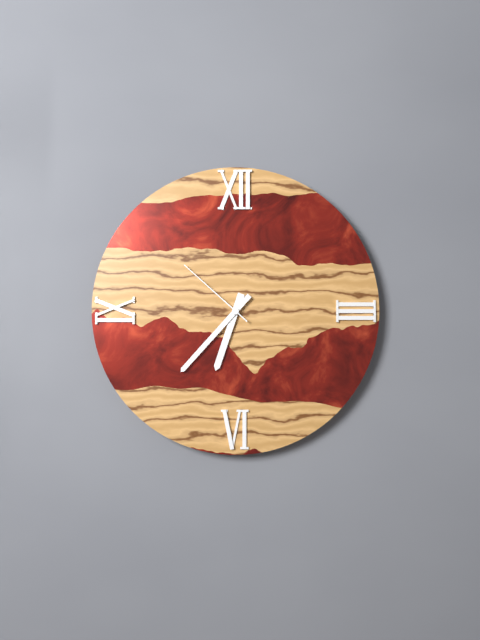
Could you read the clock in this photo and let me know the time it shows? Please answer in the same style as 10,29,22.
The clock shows 6,37,52
